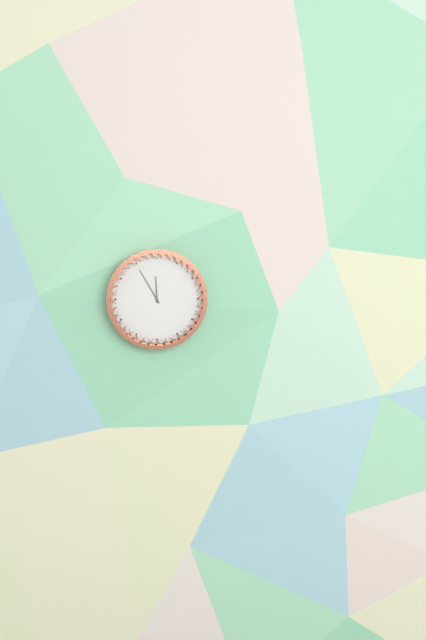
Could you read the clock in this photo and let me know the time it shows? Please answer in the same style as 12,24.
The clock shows 11,55
